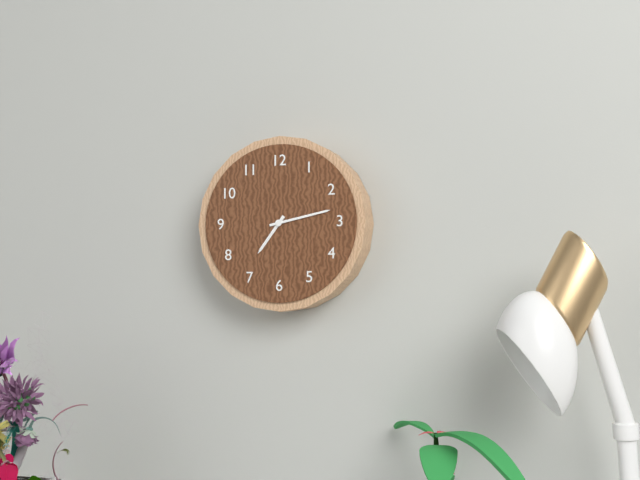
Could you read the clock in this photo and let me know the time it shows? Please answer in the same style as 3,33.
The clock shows 7,13
